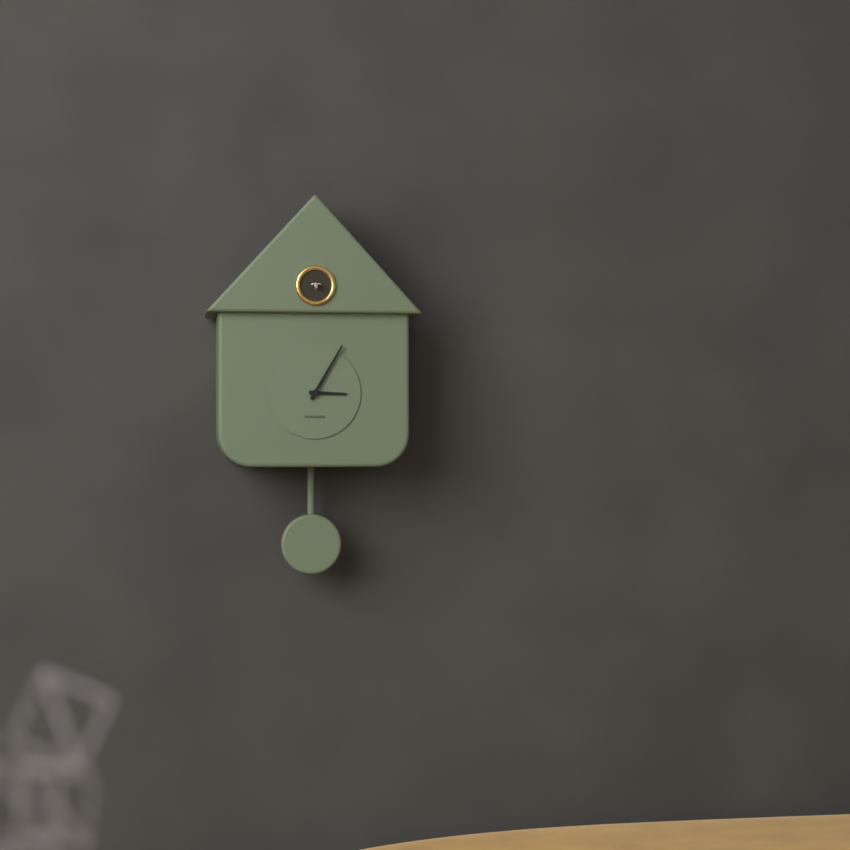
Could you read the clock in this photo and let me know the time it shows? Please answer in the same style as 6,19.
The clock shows 3,05
